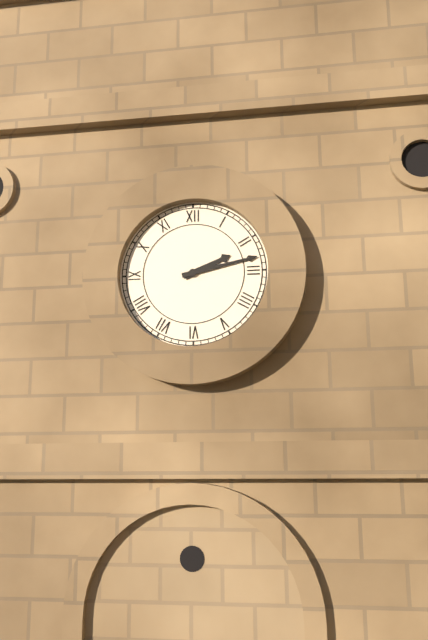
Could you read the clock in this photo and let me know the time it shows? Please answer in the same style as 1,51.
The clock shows 2,13
